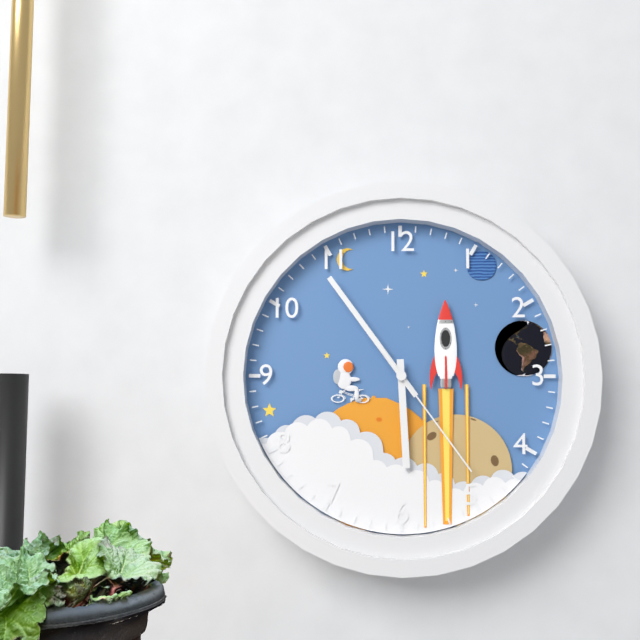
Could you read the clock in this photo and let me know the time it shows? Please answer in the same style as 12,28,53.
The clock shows 5,54,24
